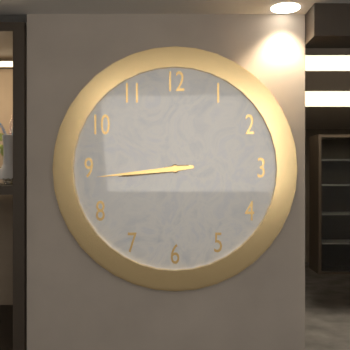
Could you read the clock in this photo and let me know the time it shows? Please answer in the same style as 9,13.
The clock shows 8,44
